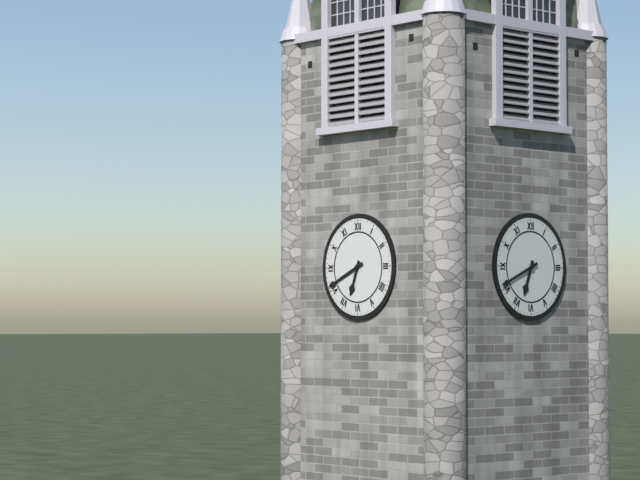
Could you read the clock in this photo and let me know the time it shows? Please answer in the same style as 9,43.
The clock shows 6,41
